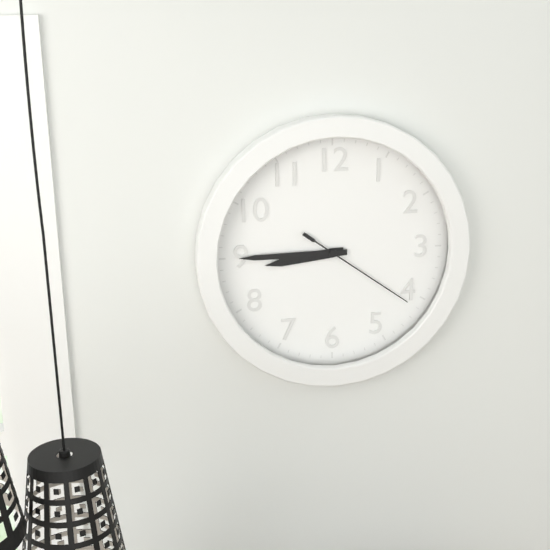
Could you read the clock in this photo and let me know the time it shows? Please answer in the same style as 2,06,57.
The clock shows 8,45,21
